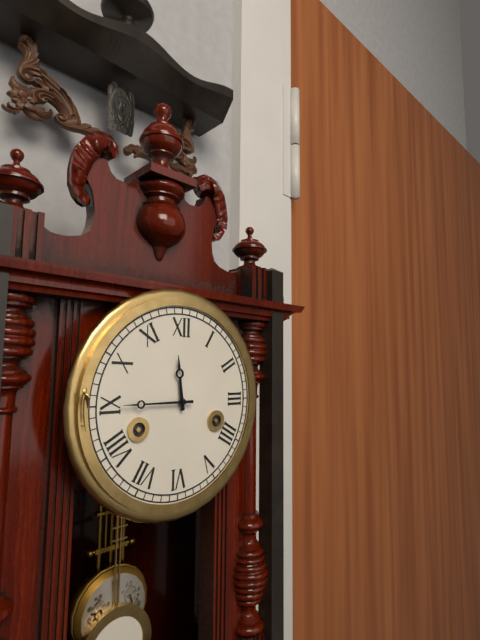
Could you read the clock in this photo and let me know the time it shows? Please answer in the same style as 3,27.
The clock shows 11,45
